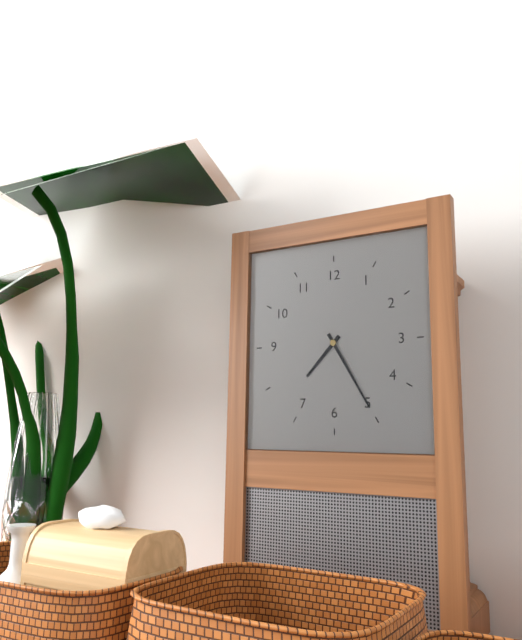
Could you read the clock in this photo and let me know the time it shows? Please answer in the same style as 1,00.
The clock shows 7,25
